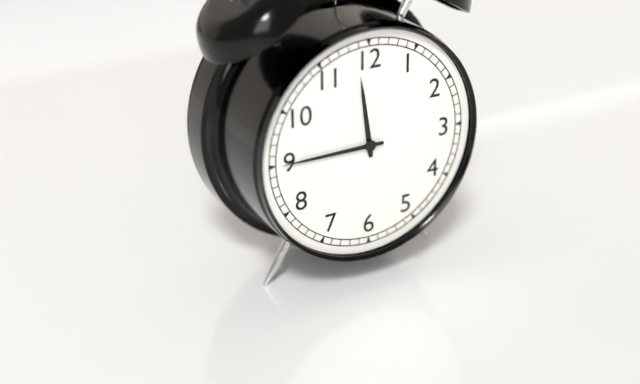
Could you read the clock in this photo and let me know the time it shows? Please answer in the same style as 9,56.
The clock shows 11,45
